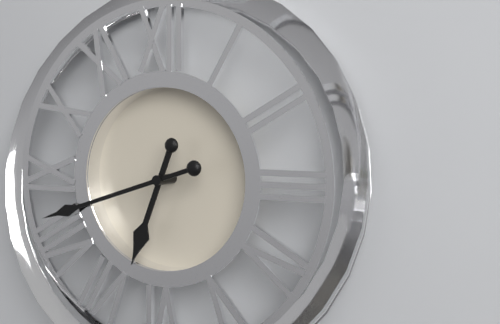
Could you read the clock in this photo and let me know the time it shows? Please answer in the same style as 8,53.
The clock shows 6,42
